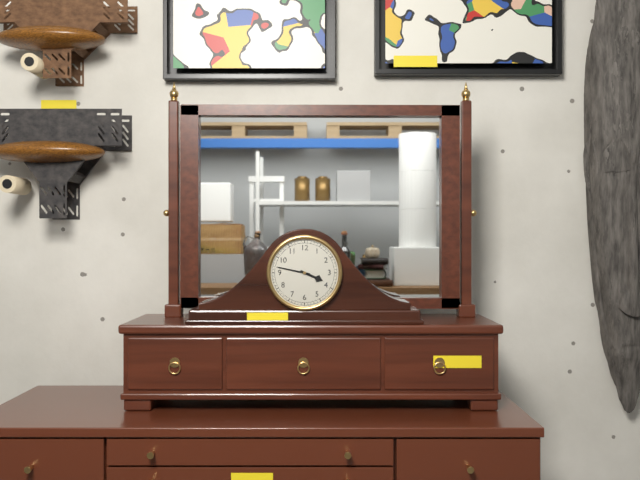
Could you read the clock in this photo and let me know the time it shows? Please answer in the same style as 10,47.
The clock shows 3,47
